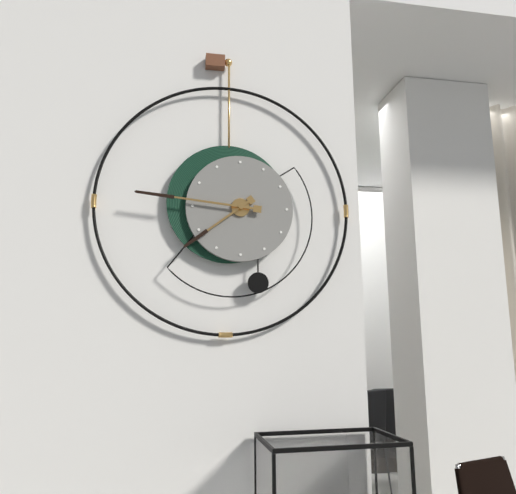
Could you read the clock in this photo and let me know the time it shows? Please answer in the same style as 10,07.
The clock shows 7,46
